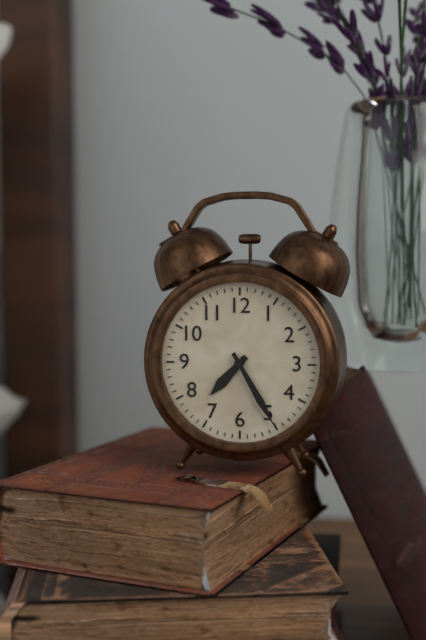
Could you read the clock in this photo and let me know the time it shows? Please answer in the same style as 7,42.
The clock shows 7,25
